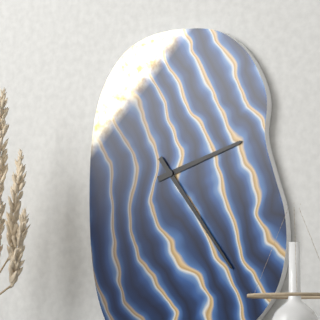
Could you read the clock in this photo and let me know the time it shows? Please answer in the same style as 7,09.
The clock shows 2,24
